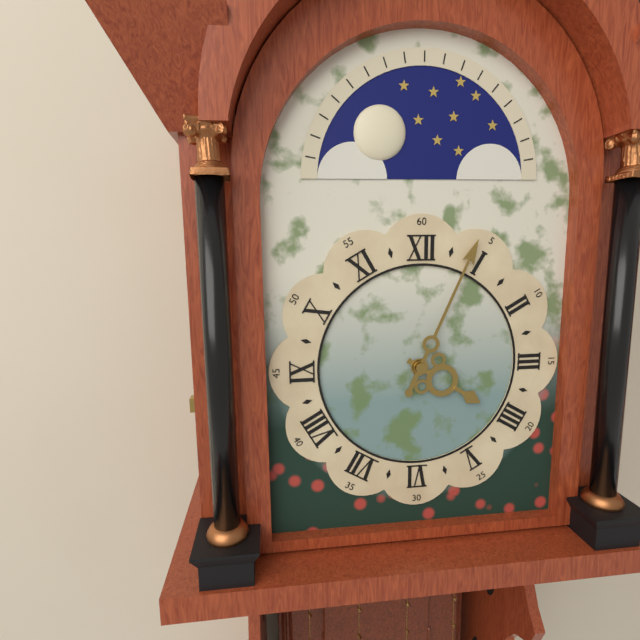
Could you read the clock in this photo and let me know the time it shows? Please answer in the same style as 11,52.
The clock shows 4,04
